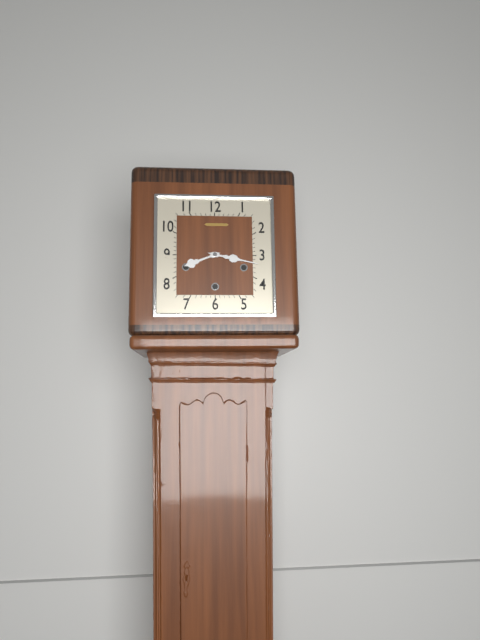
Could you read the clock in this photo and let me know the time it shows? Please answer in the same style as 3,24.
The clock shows 8,17
